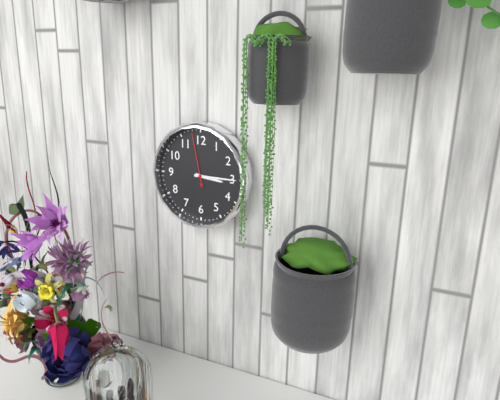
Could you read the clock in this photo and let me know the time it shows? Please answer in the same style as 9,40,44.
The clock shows 3,15,58
